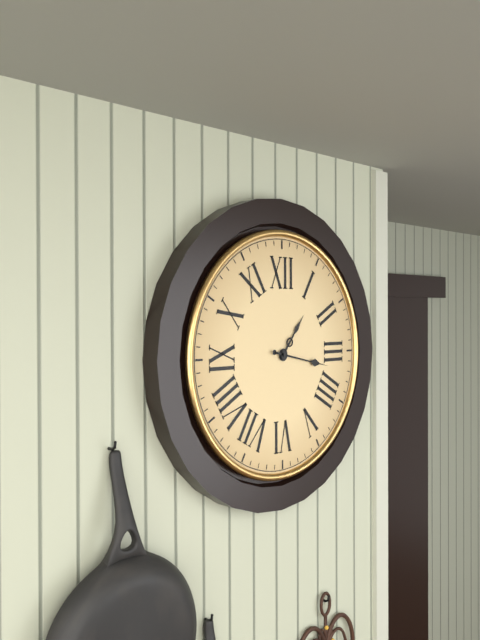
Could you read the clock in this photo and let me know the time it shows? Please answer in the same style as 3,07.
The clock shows 1,17
